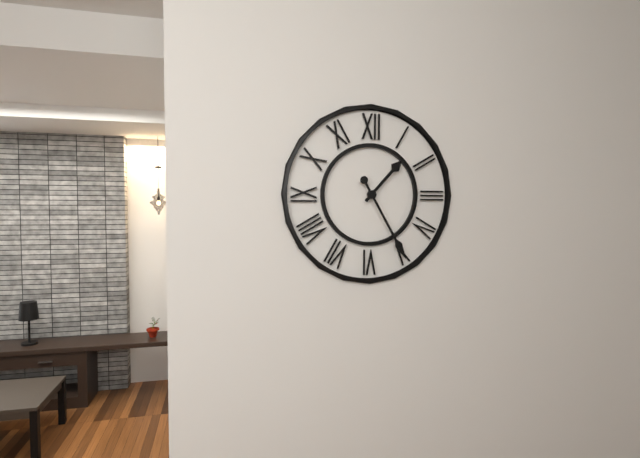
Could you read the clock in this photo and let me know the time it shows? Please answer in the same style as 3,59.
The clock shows 1,25
